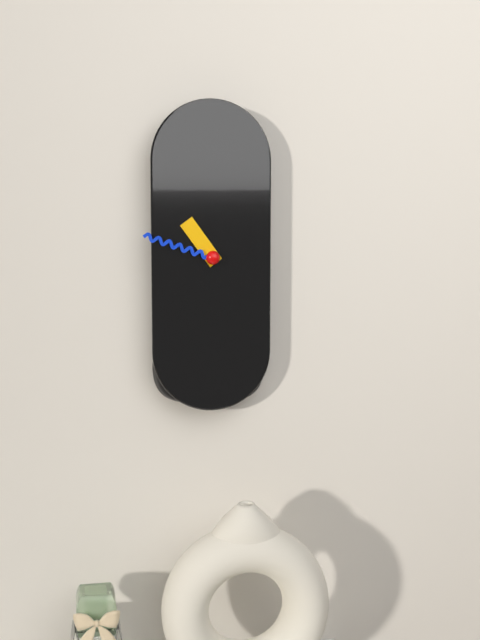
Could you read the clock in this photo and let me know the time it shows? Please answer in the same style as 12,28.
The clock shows 10,48
